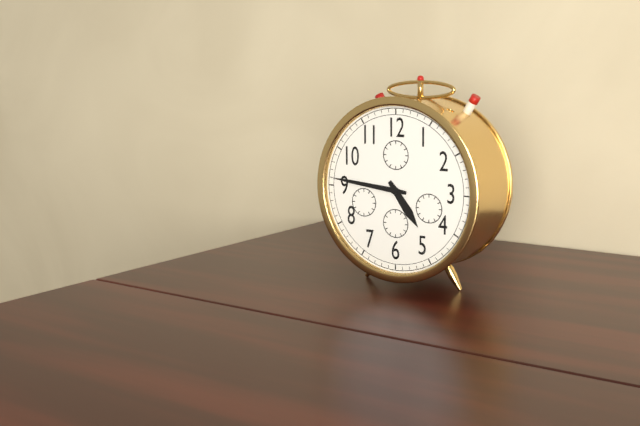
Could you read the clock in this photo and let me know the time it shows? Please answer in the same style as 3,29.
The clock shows 4,46
